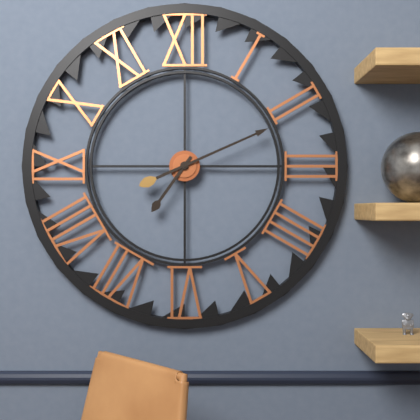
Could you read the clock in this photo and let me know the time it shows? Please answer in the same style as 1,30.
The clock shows 7,11
